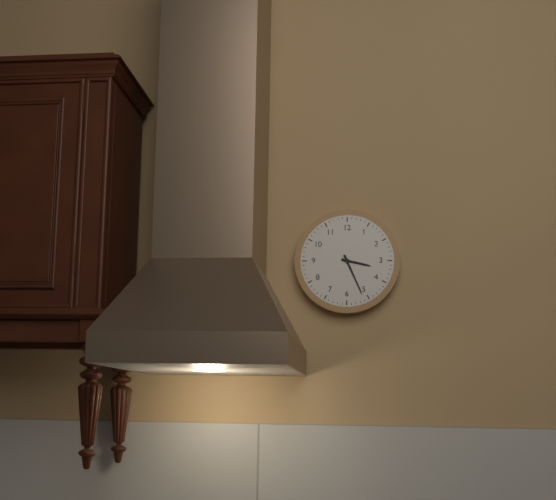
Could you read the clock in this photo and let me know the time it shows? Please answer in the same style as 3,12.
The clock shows 3,26
